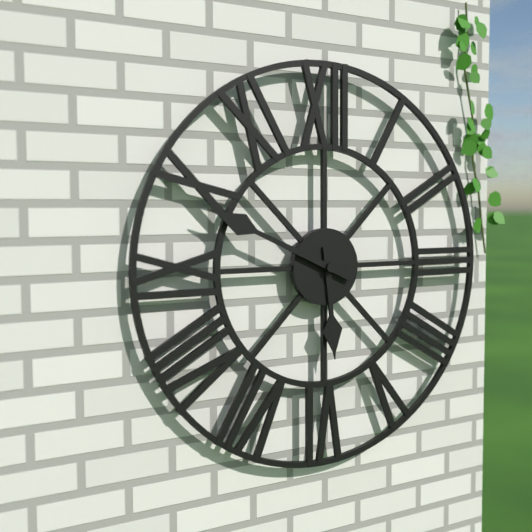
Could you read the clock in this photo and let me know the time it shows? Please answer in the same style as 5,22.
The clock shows 5,49
